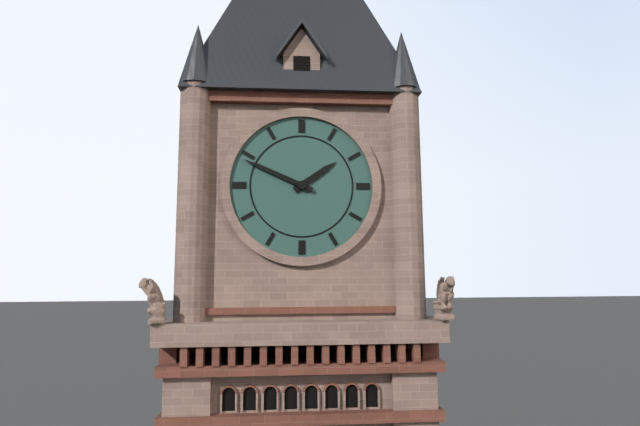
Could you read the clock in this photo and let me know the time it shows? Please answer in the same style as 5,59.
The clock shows 1,49
